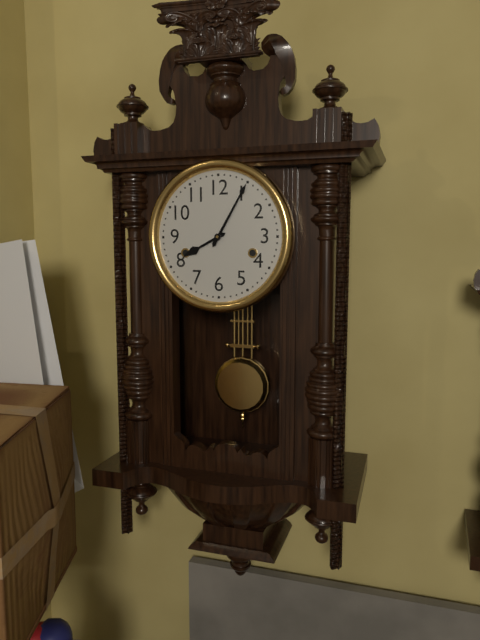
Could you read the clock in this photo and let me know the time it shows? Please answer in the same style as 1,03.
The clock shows 8,05
